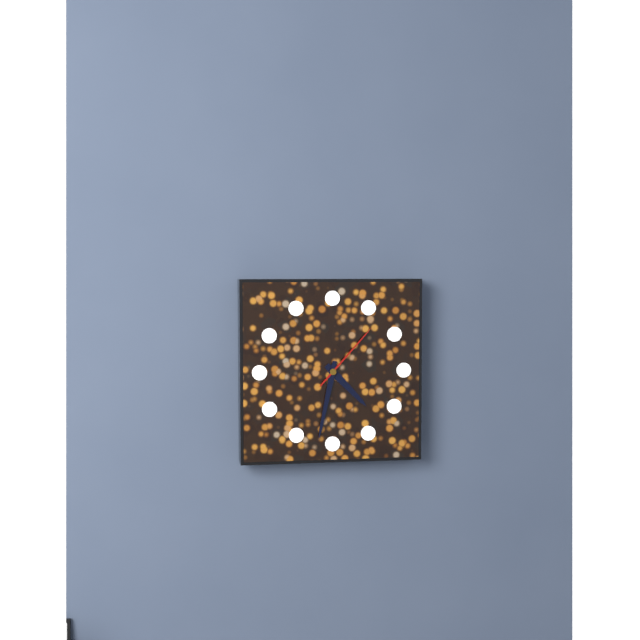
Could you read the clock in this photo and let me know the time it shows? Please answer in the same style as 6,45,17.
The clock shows 4,32,07
